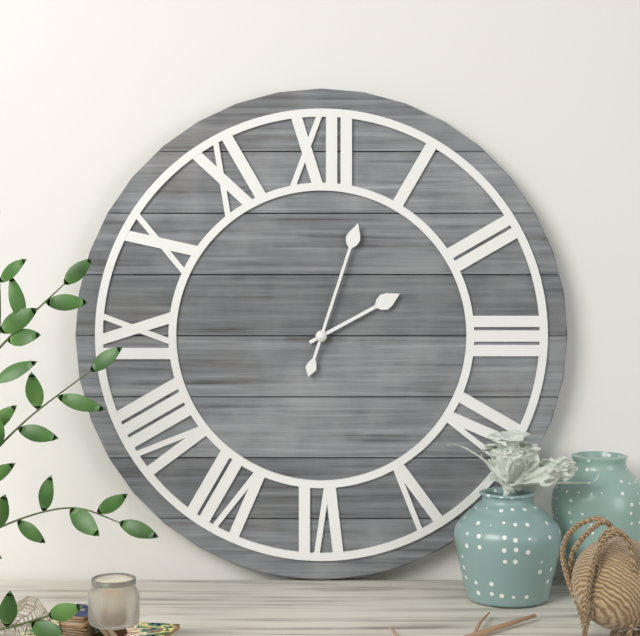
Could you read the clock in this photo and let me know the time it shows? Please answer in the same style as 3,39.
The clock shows 2,03
